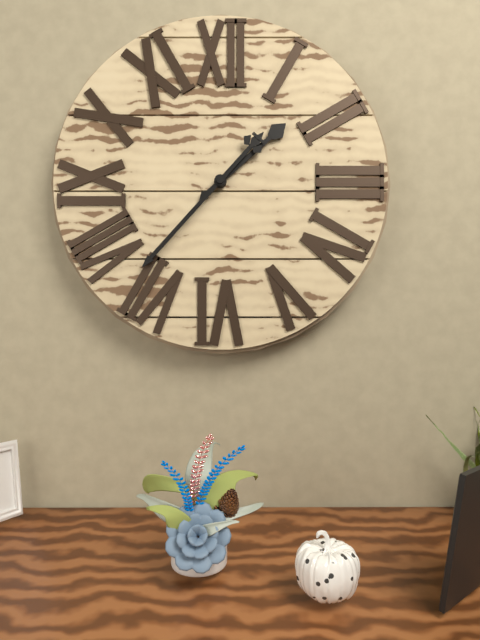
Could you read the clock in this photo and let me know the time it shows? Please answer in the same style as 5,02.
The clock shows 1,37
